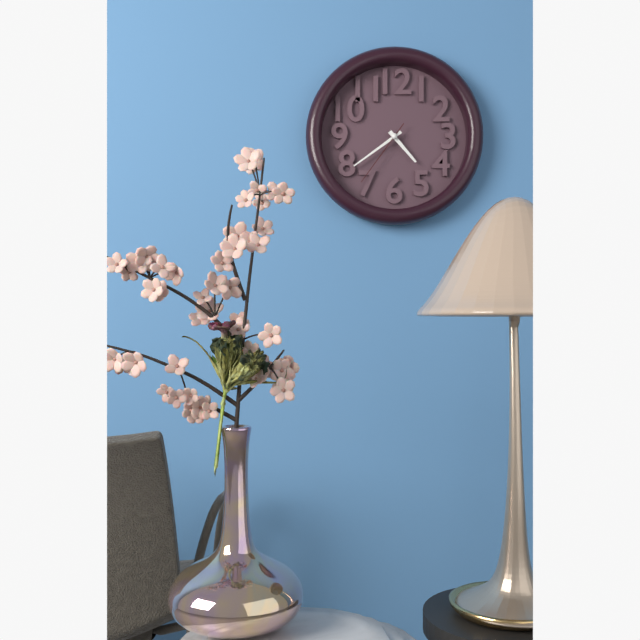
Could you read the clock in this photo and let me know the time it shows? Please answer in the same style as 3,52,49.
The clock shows 4,39,36
